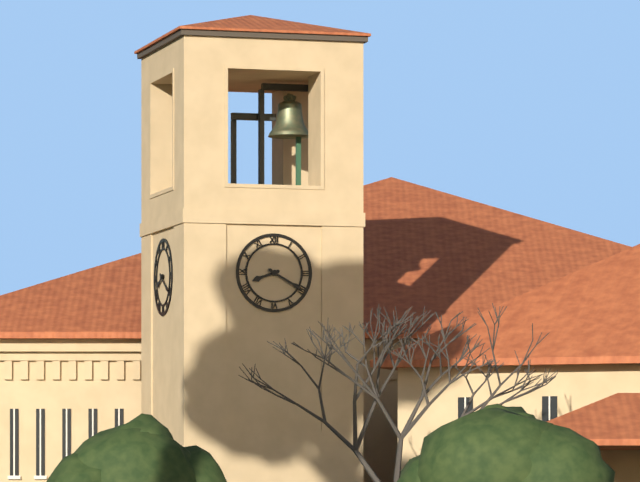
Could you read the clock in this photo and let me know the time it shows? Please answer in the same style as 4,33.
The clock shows 8,20
